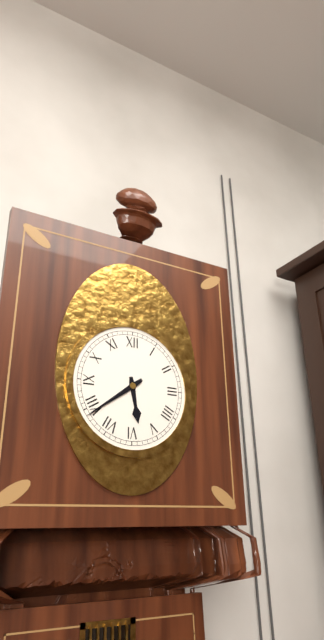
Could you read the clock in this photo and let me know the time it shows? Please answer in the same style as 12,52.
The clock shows 5,39
